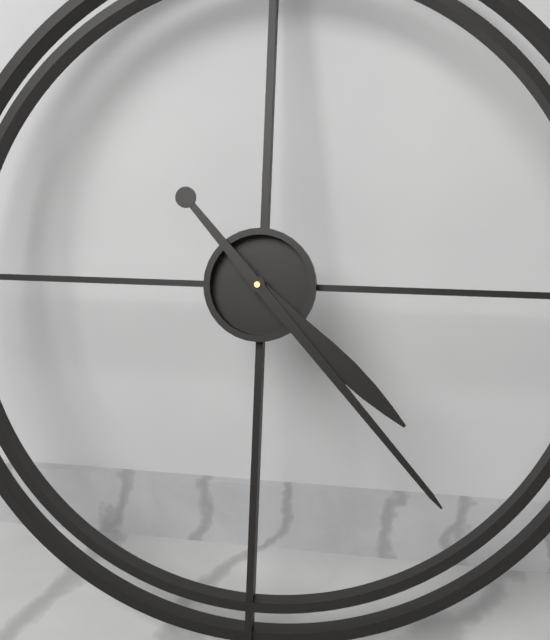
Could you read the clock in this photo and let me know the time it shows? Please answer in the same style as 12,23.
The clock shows 4,23
